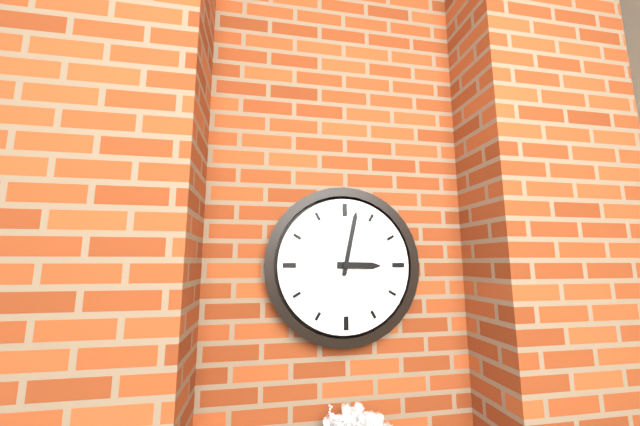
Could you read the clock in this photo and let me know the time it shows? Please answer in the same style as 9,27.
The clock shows 3,02
